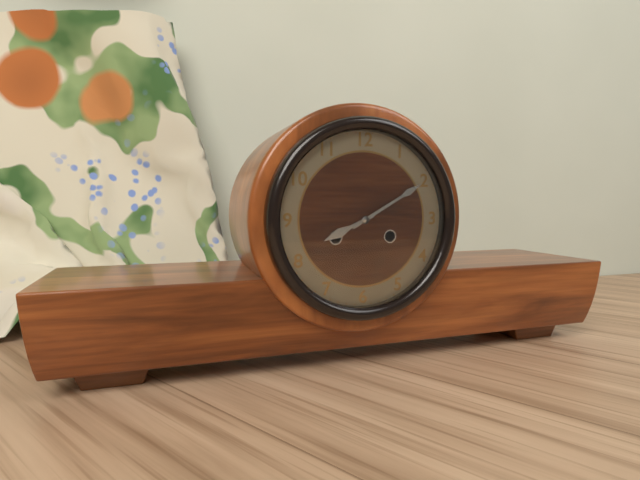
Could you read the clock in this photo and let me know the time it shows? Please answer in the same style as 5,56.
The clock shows 8,10
